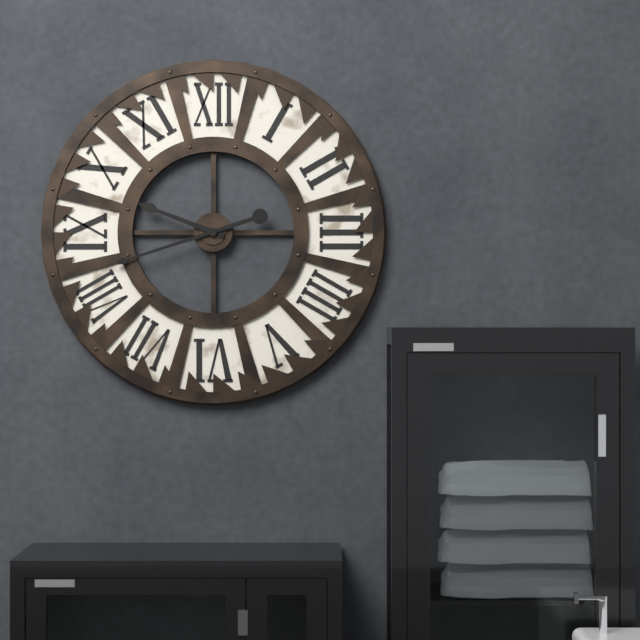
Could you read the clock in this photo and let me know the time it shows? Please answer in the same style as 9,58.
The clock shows 9,42
